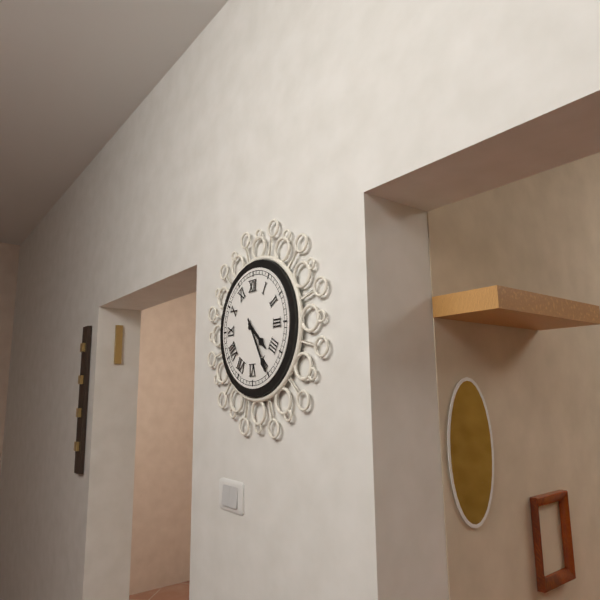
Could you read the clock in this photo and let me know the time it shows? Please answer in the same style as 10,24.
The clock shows 4,25
